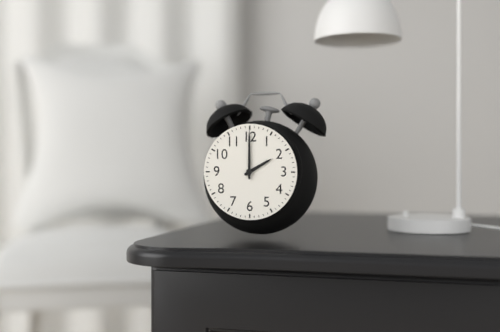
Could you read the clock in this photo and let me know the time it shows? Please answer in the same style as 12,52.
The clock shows 2,00
